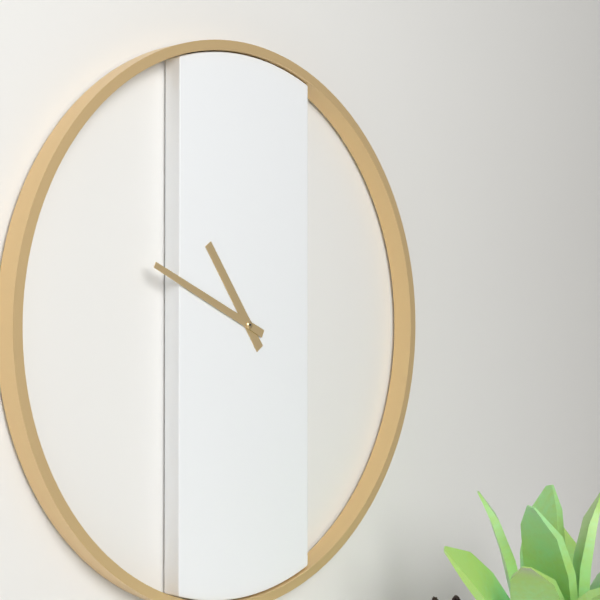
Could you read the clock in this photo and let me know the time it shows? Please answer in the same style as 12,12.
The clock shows 10,49
